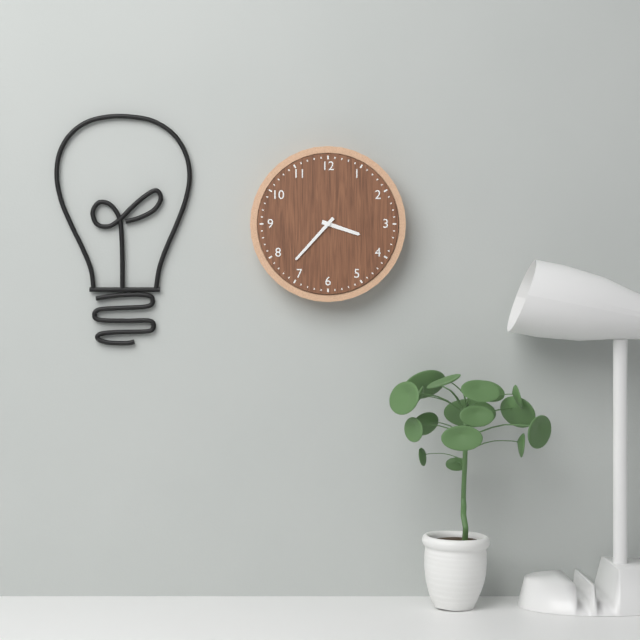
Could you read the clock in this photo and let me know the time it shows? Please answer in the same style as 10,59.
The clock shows 3,37
